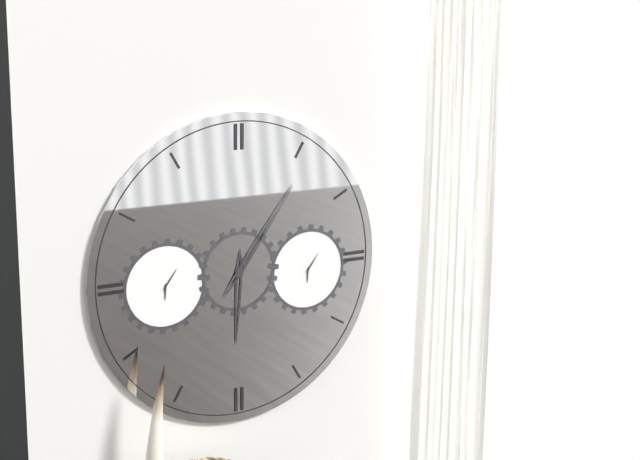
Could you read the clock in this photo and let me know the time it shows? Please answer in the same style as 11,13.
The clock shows 6,06
